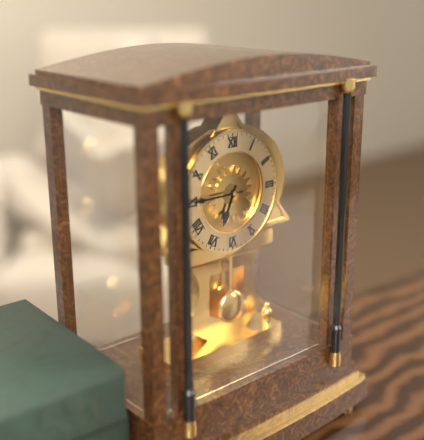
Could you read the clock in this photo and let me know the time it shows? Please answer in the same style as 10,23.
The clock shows 6,45
